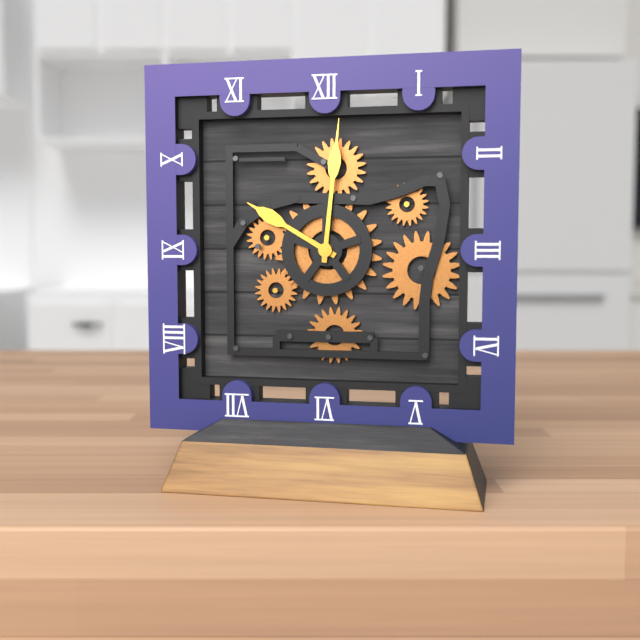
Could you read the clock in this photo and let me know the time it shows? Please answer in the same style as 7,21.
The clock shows 10,01
